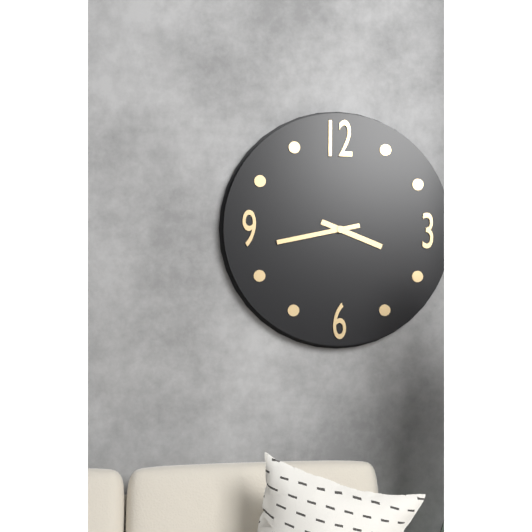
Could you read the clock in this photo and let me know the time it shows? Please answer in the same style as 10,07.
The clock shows 3,43
